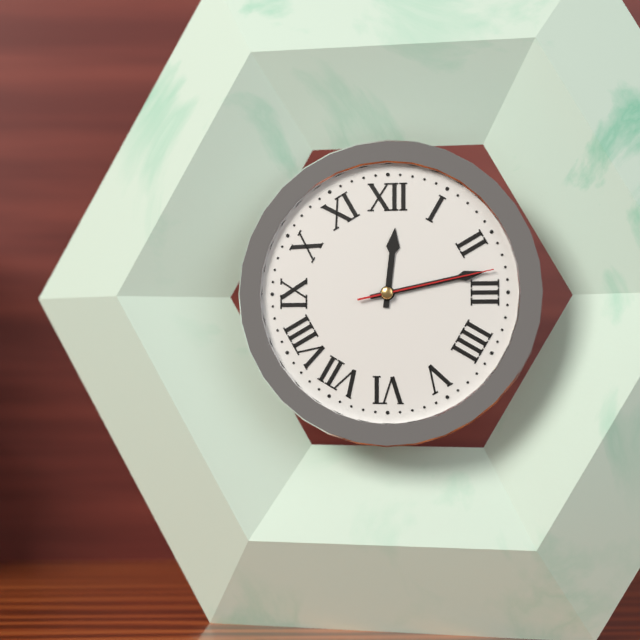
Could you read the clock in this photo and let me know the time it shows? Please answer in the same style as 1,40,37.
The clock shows 12,13,13
